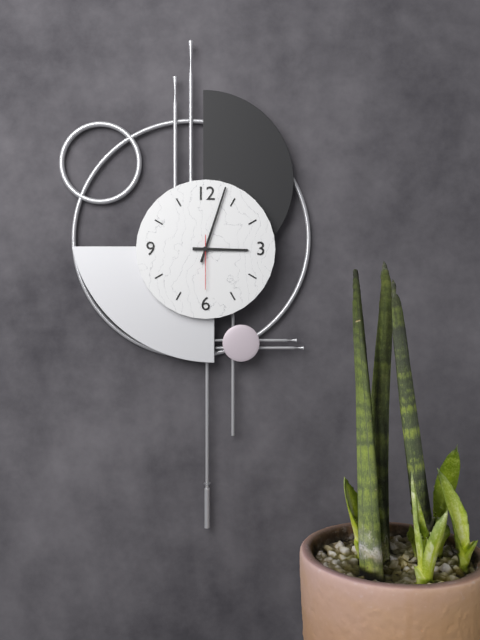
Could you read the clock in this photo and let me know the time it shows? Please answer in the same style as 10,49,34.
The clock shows 3,03,30
